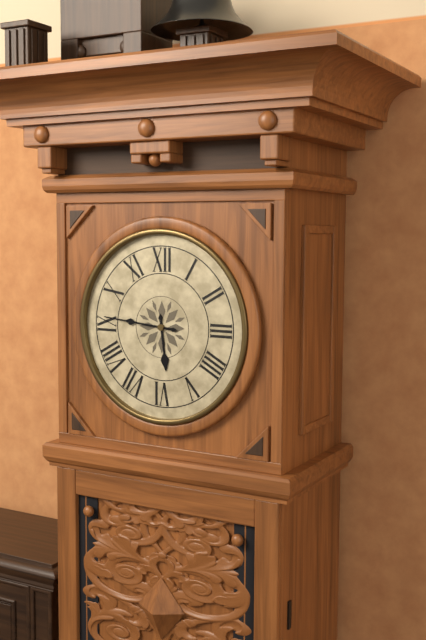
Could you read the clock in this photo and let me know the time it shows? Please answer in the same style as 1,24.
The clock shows 5,46
